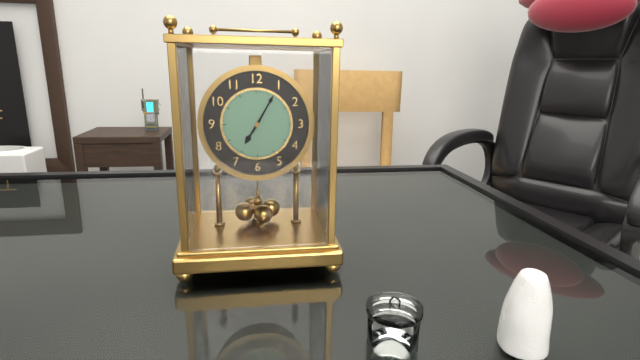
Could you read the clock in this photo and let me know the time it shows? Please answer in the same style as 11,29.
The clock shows 7,05
